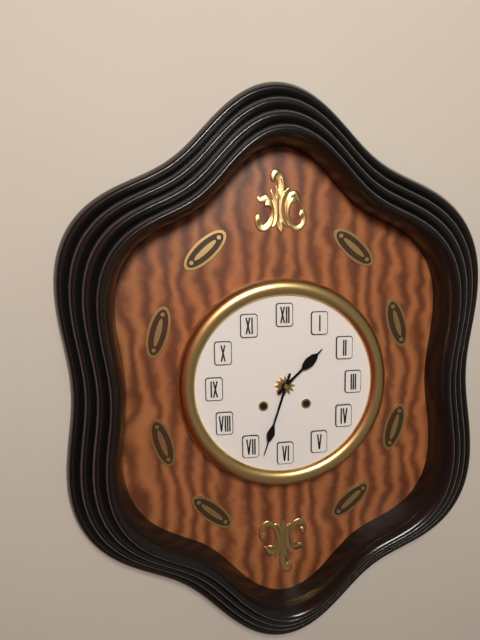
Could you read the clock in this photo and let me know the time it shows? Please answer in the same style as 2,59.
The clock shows 1,33
